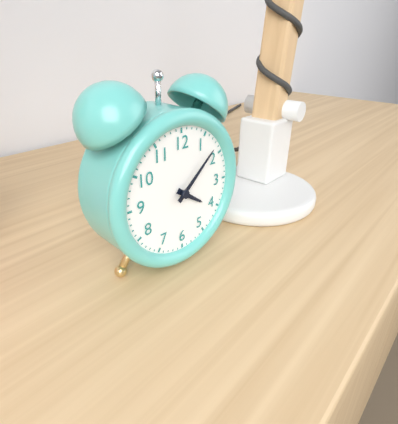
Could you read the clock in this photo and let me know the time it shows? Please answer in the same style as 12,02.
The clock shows 4,08
